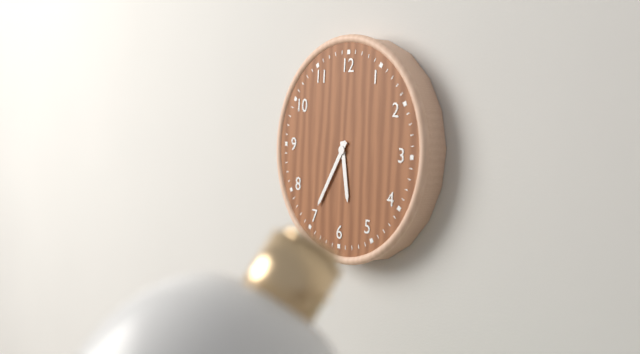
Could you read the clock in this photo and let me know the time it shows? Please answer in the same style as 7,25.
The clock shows 5,35
